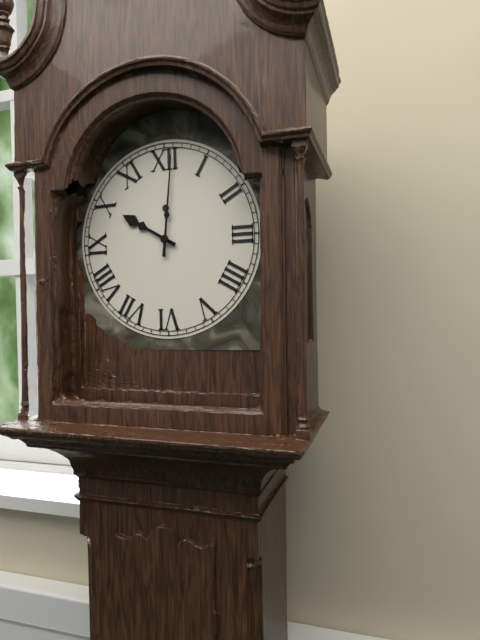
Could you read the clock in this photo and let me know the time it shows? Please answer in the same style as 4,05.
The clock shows 10,01
